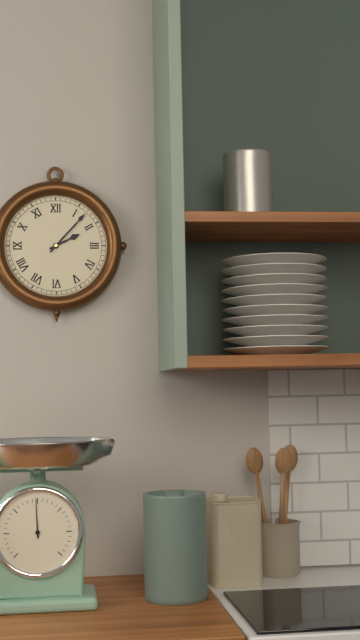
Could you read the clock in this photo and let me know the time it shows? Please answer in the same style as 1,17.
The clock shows 2,07
